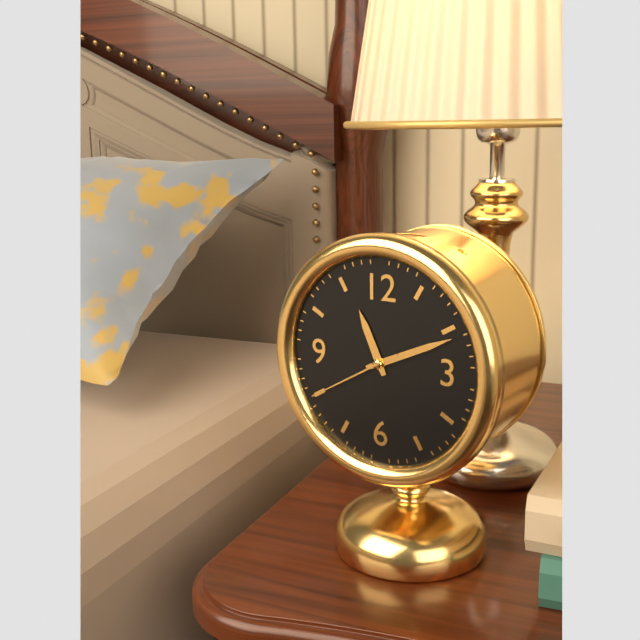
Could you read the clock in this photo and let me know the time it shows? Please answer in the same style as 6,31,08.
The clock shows 11,11,40
